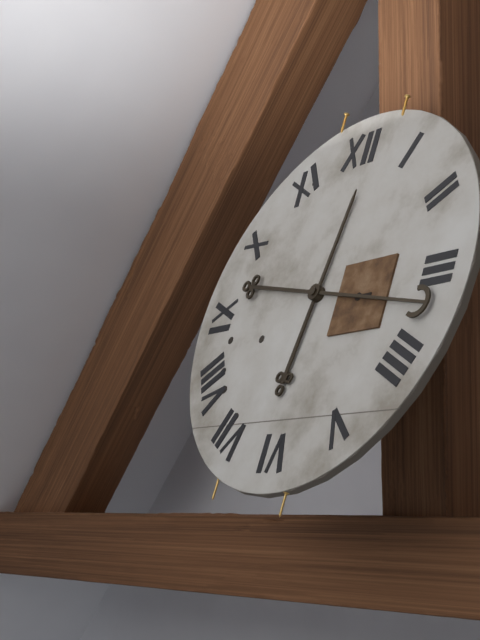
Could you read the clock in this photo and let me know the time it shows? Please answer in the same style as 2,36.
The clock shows 12,17
